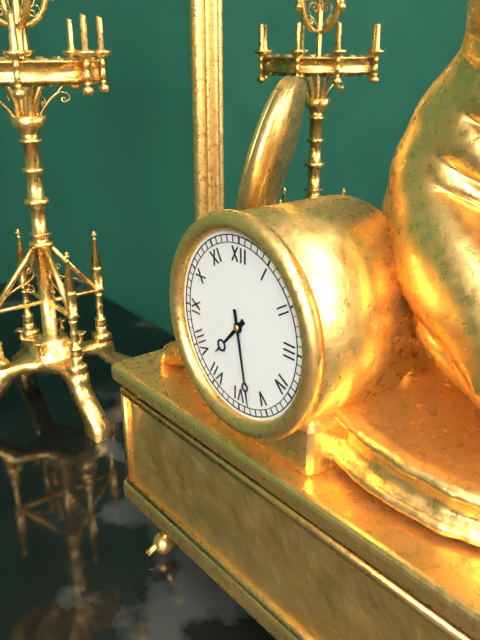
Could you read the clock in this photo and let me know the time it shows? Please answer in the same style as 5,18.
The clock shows 7,28
